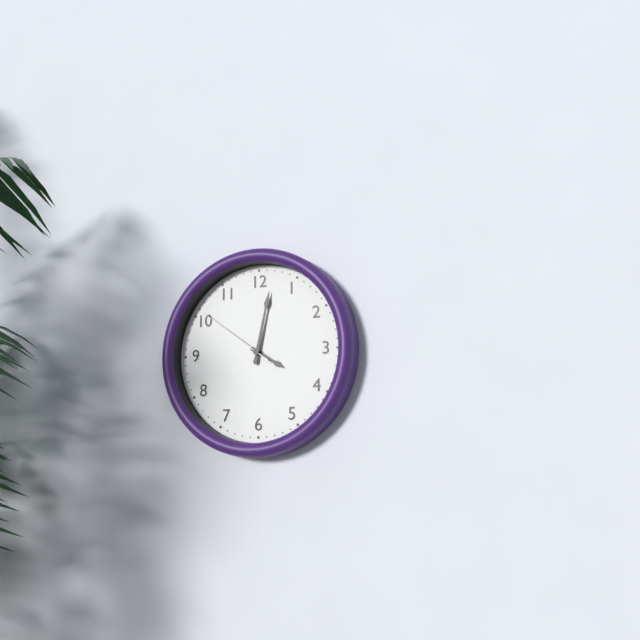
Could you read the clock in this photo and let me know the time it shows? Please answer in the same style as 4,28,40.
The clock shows 4,02,51
